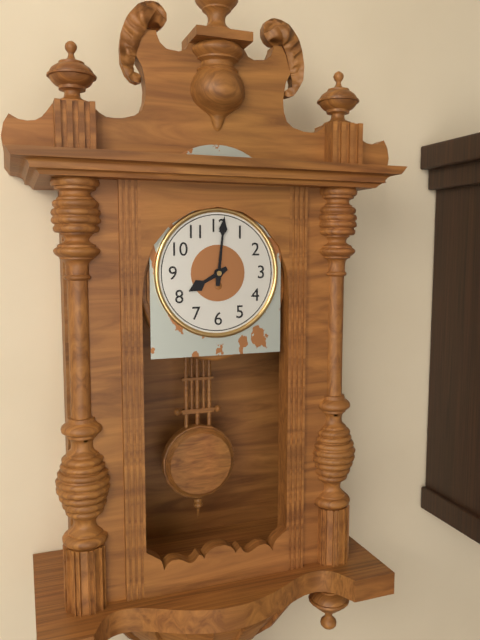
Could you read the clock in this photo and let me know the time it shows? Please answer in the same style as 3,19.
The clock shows 8,01
